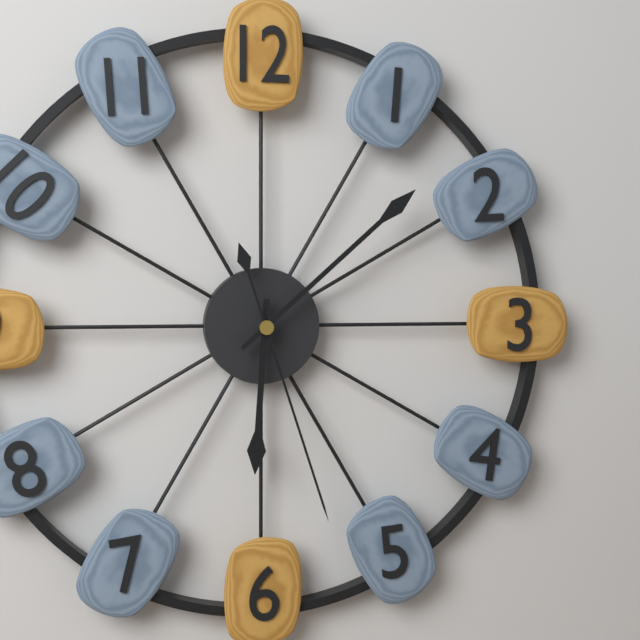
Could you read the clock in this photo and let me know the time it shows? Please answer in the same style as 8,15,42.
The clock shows 6,08,27
